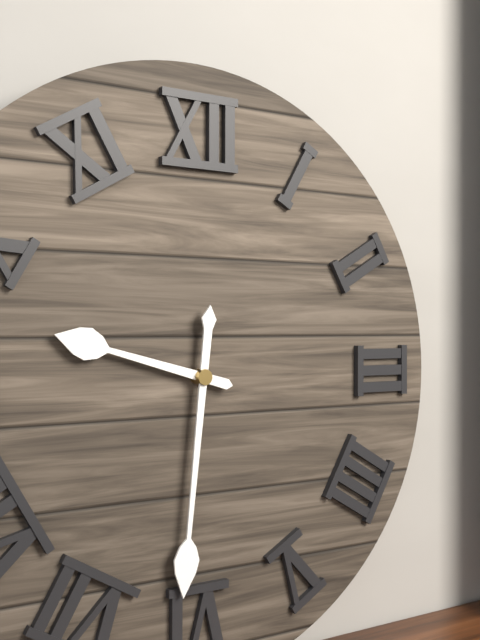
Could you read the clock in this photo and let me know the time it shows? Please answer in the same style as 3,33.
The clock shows 9,31
